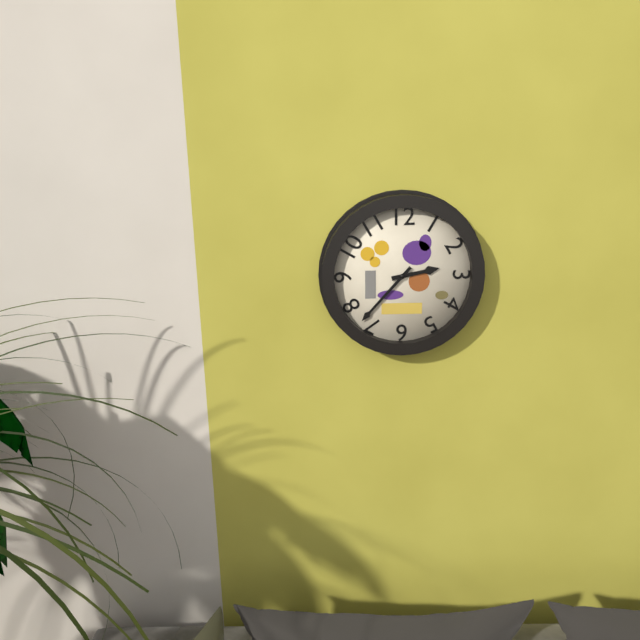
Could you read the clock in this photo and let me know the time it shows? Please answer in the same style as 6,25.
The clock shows 2,37
